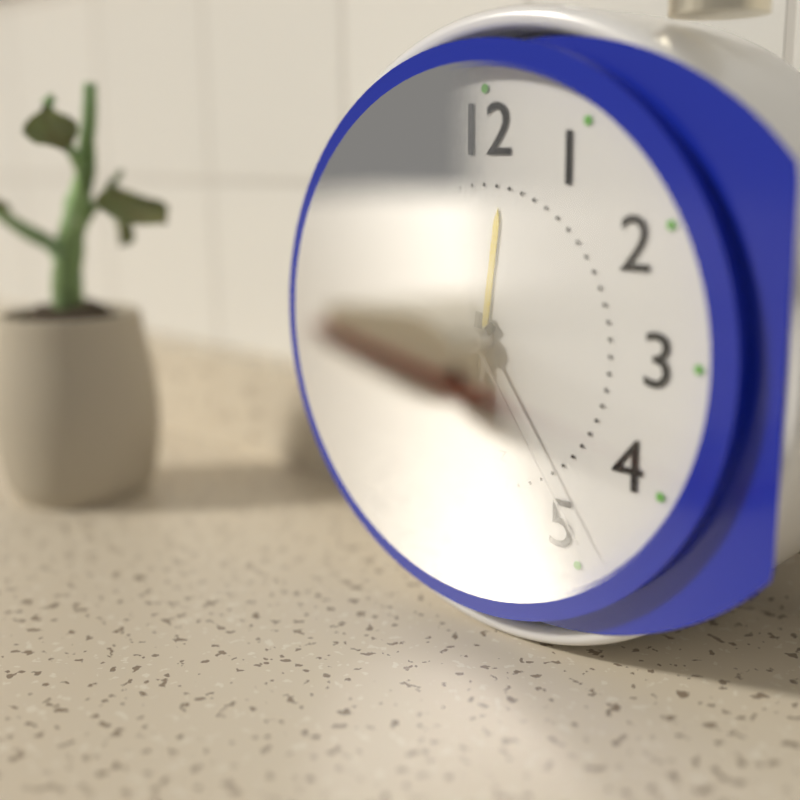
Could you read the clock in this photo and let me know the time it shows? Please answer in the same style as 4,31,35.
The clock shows 7,31,24
